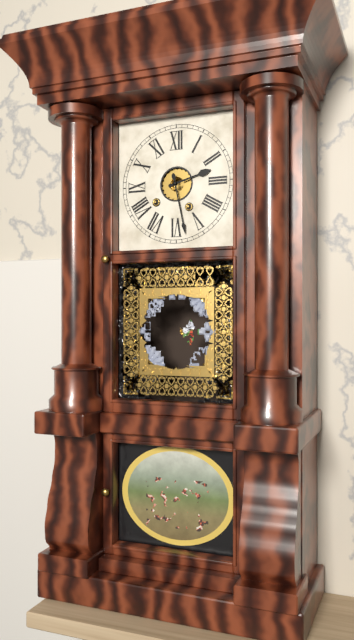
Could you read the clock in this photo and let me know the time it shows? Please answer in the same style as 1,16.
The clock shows 2,28
